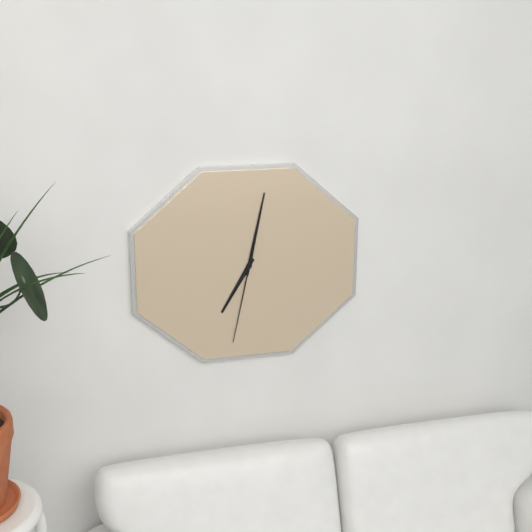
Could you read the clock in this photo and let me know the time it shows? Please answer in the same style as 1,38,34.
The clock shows 7,02,32
